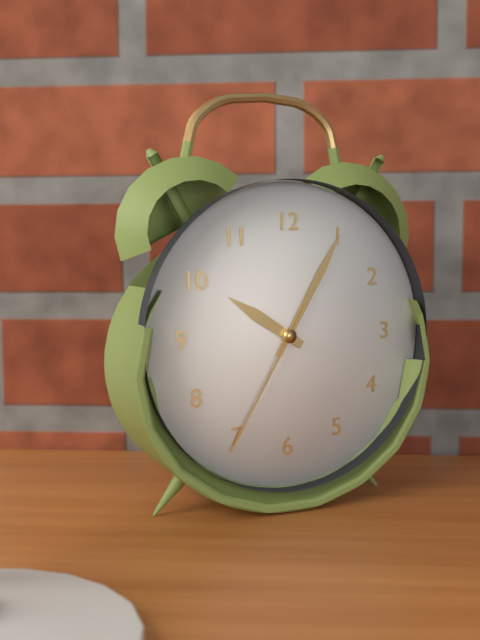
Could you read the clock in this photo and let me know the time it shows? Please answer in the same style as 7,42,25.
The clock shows 10,05,35
